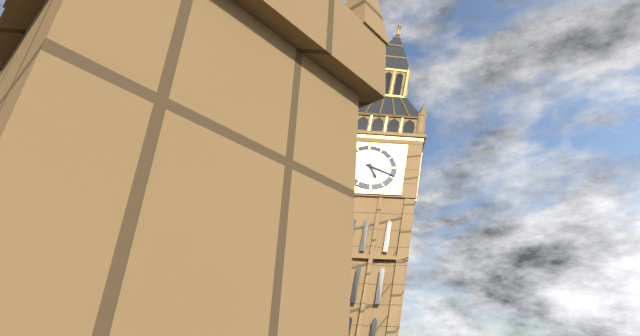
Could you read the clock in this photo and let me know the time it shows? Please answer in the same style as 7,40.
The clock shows 5,19
